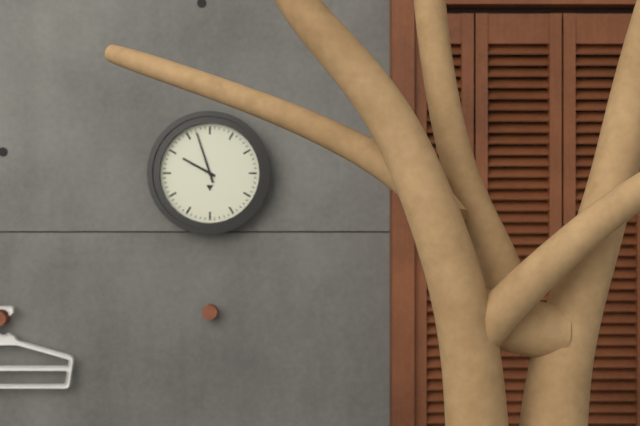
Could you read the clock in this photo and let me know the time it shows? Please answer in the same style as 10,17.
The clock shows 9,57
